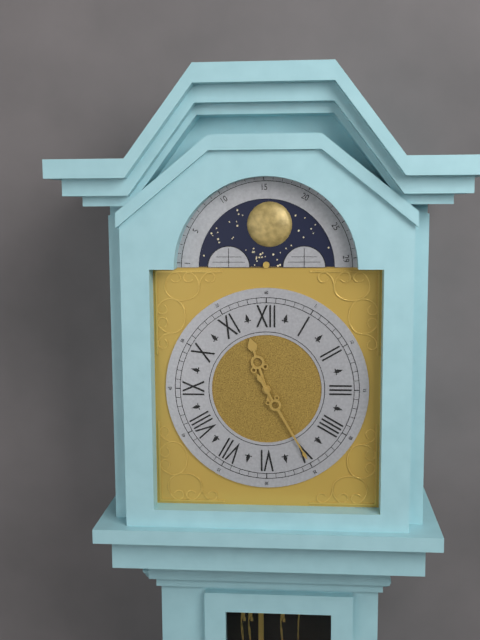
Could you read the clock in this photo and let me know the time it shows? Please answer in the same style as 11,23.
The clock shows 11,25
